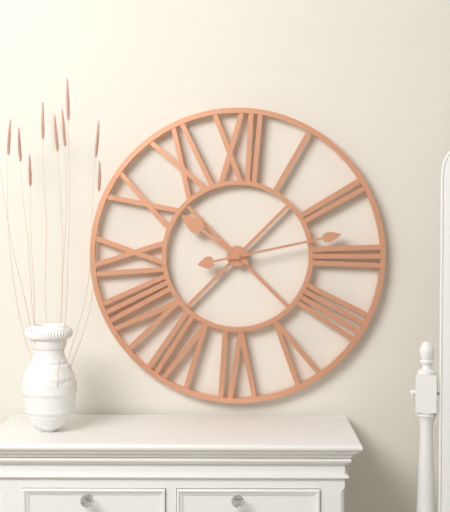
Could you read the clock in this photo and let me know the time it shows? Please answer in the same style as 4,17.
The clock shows 10,13
